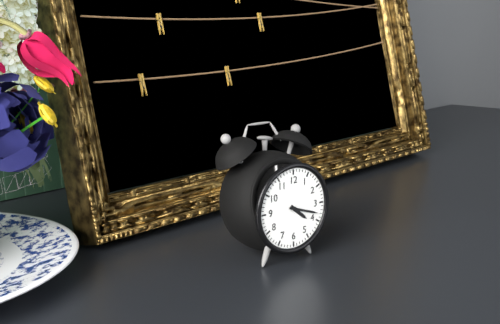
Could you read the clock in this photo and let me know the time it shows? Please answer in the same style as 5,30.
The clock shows 4,18
